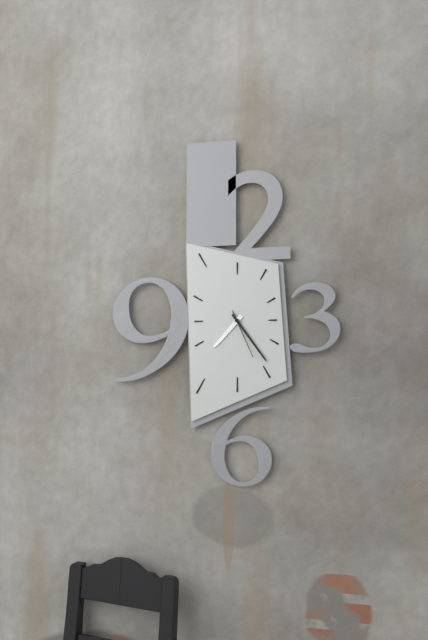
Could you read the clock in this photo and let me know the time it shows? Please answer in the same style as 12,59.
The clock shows 7,24
